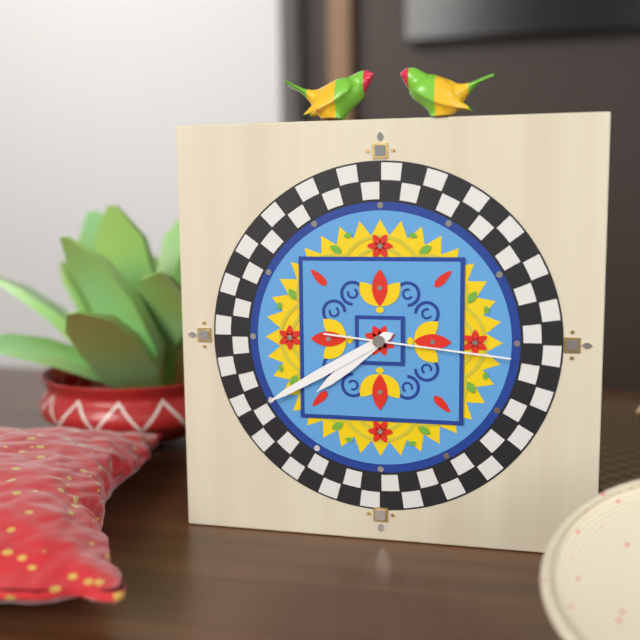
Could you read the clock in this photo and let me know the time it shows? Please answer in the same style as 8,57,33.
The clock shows 7,40,16
